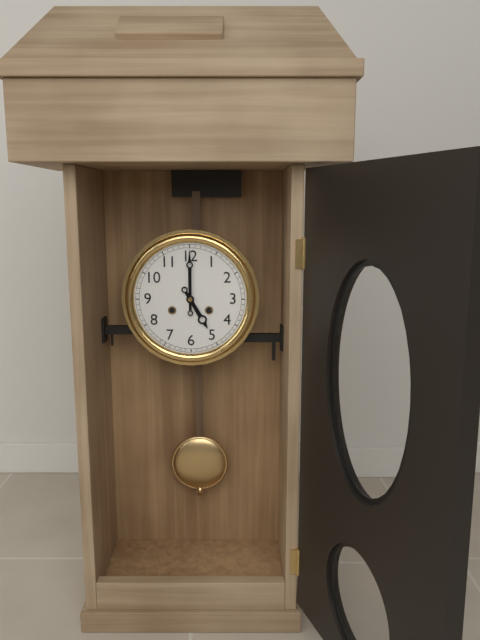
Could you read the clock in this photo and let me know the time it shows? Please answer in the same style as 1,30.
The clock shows 5,00
